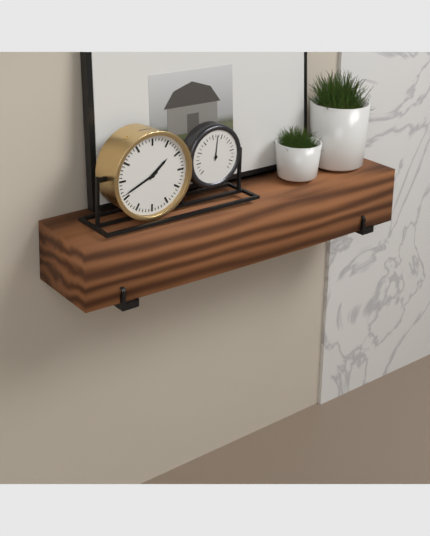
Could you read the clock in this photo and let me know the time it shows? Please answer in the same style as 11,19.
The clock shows 1,41
